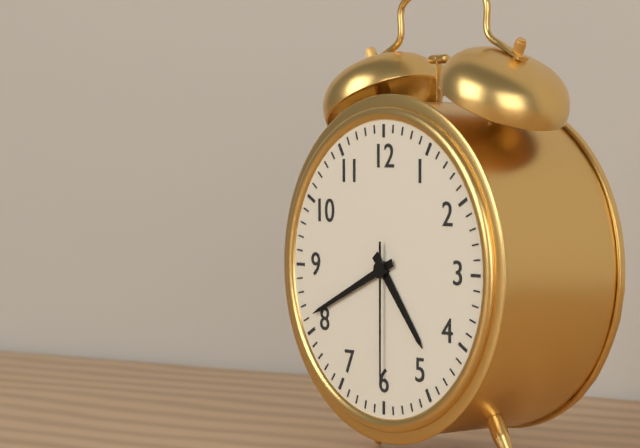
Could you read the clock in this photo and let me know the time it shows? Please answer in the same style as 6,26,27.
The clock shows 4,41,30
